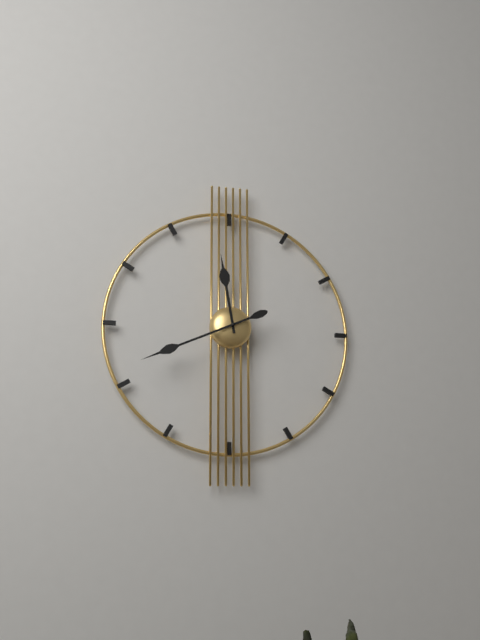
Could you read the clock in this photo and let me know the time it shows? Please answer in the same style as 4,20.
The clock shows 11,41
